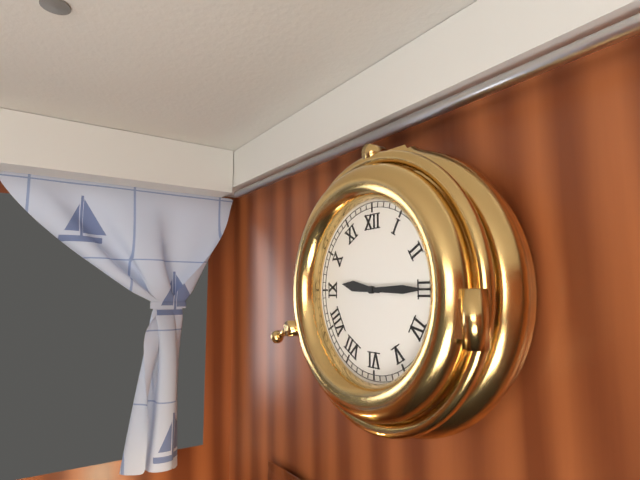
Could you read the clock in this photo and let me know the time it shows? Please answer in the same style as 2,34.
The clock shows 9,15
